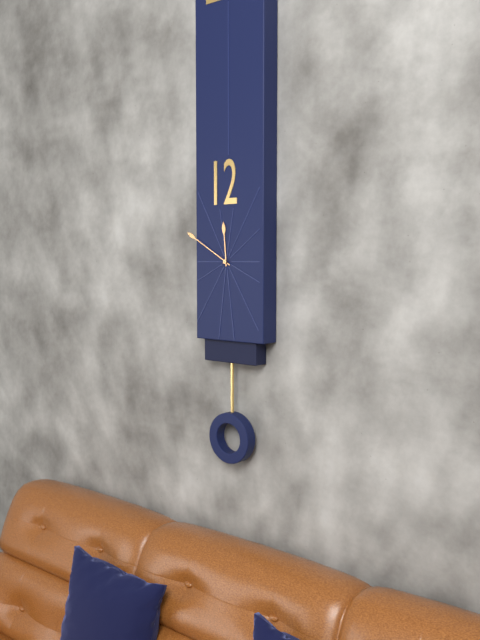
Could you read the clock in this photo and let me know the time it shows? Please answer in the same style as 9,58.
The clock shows 11,50
